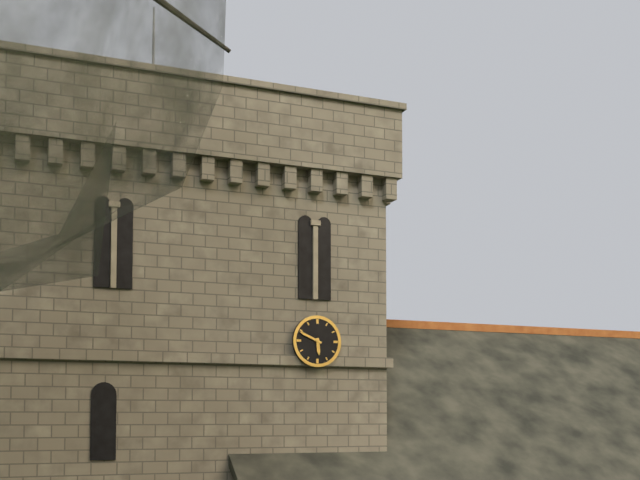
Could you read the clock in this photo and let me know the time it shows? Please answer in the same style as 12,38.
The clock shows 5,49
